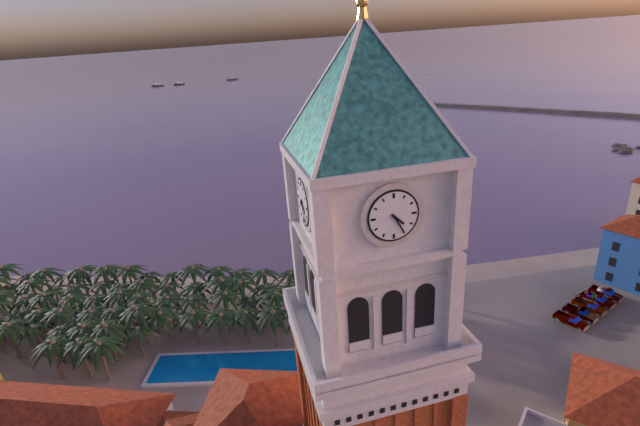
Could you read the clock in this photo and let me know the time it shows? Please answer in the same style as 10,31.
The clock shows 4,25
